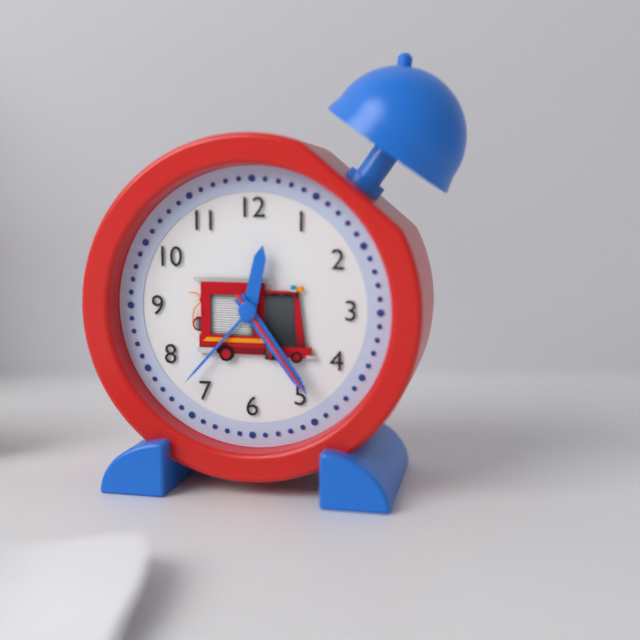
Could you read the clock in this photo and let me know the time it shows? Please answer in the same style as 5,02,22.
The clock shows 12,24,24
